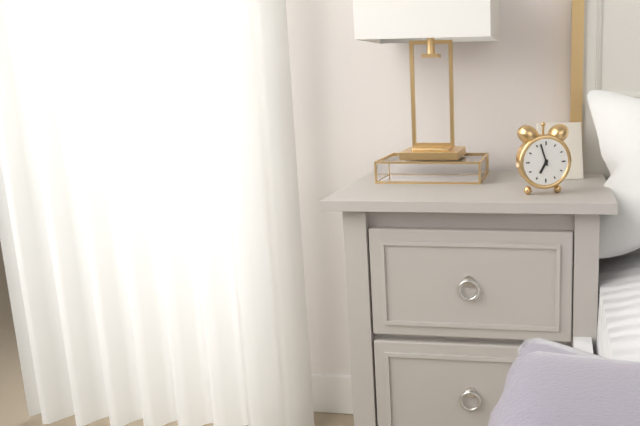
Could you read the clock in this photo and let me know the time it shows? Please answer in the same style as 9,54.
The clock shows 6,57
